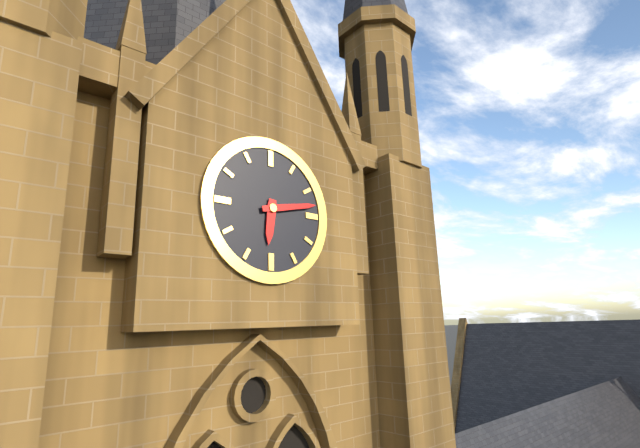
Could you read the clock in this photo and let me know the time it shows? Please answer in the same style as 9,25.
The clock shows 6,13
